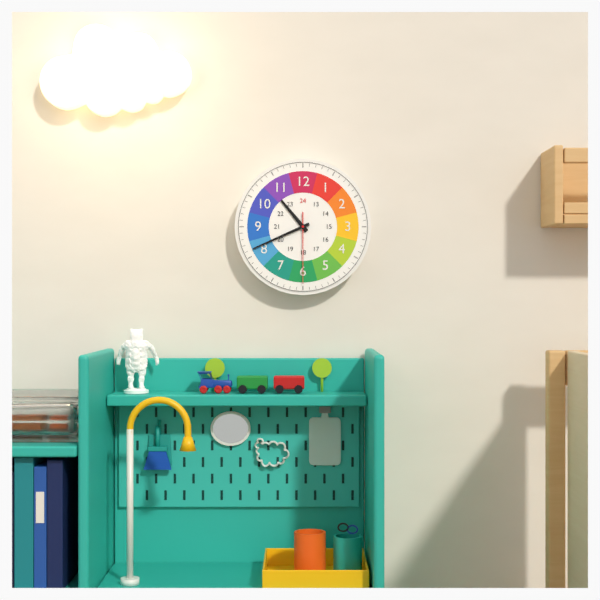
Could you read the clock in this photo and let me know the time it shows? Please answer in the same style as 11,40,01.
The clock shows 10,41,30
